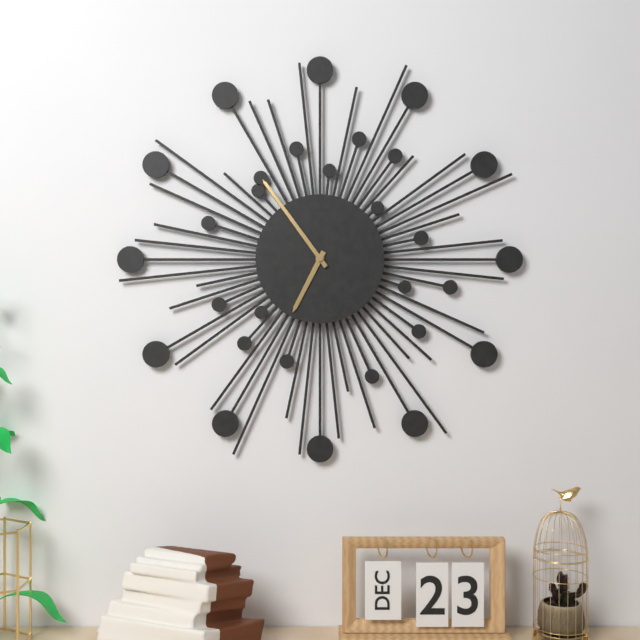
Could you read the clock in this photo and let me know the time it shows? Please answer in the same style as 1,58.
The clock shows 6,54
